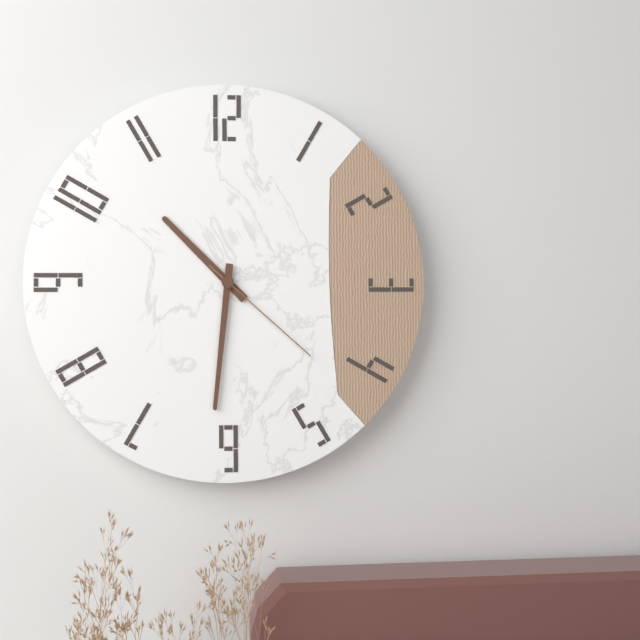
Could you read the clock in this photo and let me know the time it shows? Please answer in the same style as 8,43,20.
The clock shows 10,31,22
